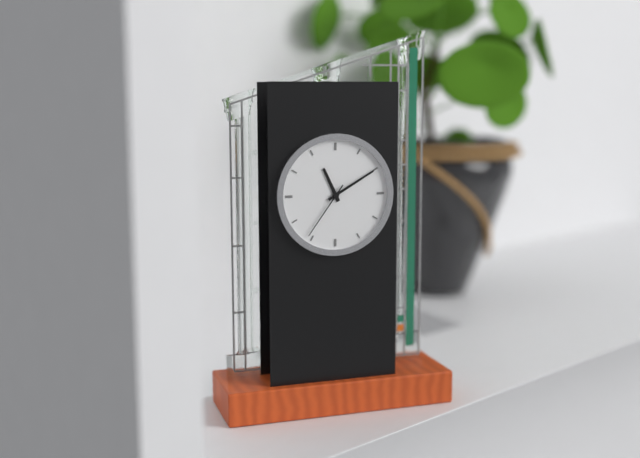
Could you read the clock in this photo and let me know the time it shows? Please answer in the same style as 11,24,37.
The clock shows 11,10,36
